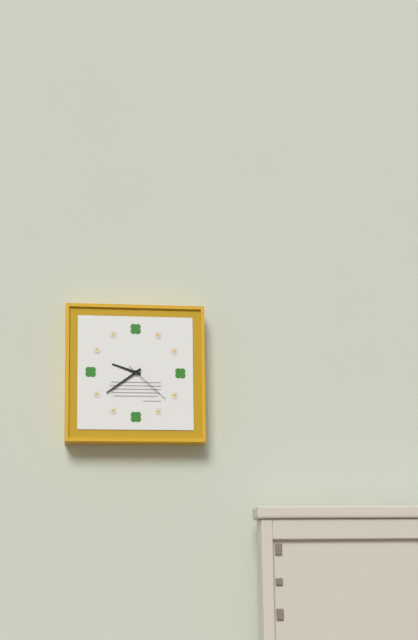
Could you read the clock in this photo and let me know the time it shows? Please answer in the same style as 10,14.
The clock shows 9,39
